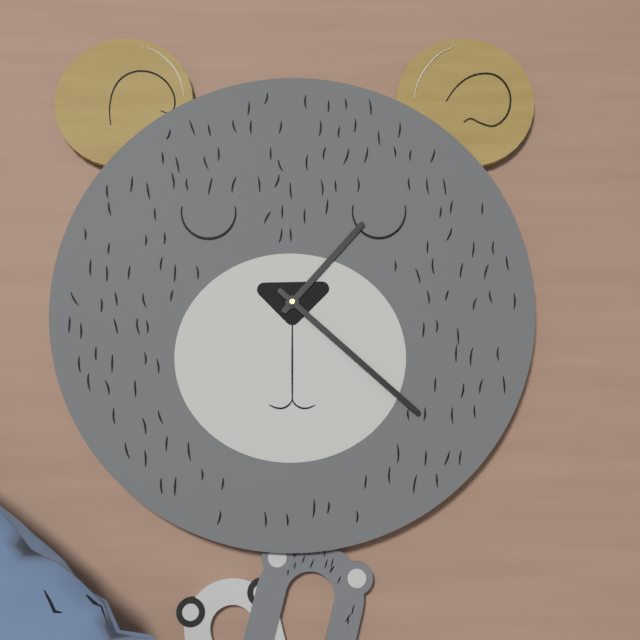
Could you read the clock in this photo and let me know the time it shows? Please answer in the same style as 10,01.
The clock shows 1,22
